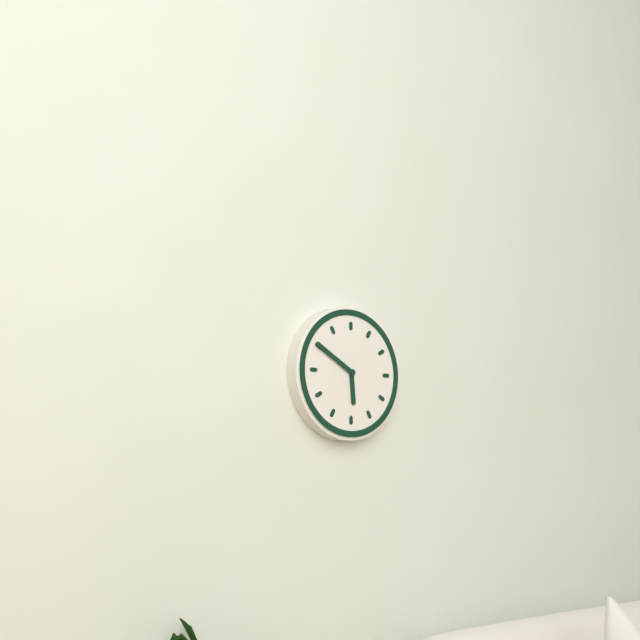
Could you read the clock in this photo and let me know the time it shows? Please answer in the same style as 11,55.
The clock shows 5,50
